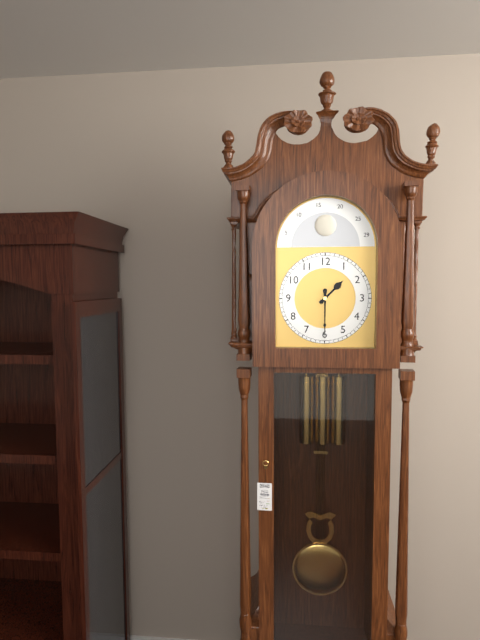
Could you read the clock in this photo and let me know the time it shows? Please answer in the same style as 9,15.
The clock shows 1,30
